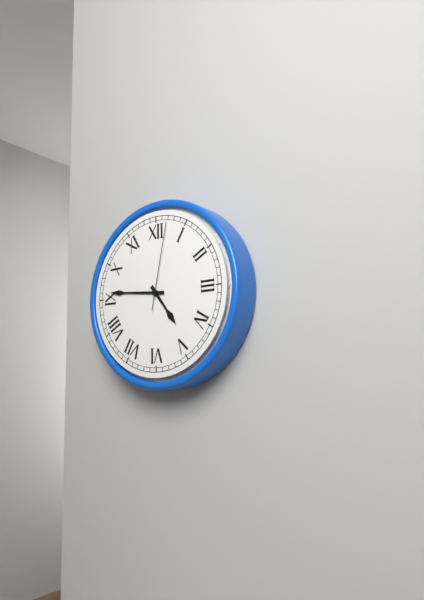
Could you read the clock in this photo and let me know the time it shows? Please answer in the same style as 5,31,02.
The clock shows 4,46,02
